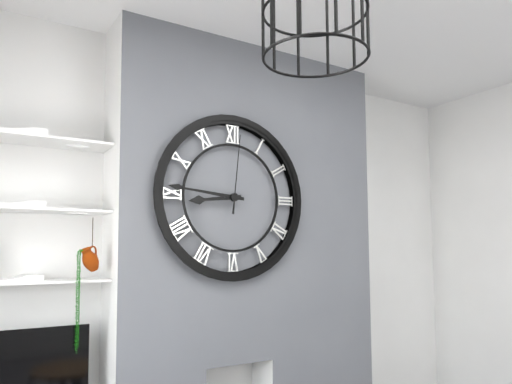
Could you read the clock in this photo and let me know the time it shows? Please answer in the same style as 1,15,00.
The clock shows 8,46,01
